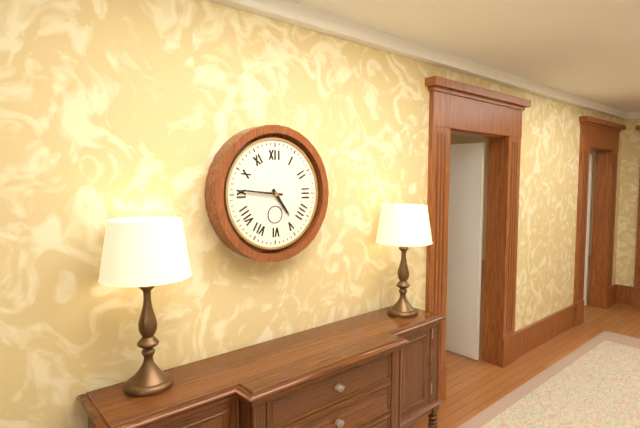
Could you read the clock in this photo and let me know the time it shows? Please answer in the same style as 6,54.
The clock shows 4,46
